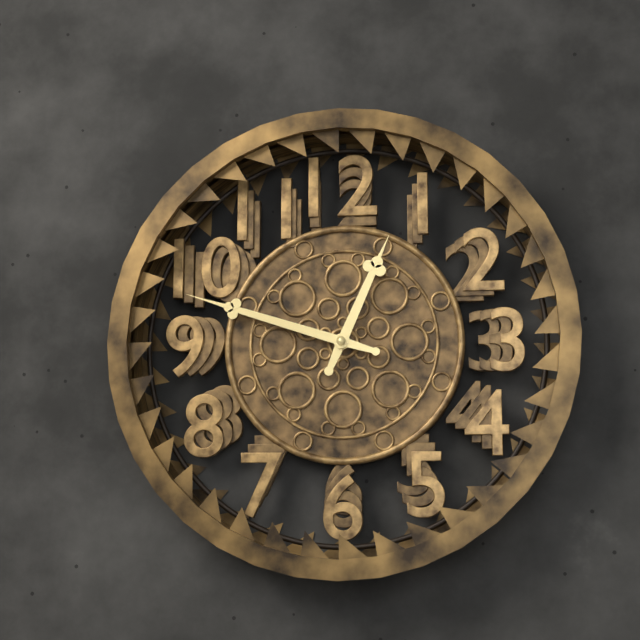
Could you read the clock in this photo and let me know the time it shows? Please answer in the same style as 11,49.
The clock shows 12,48
